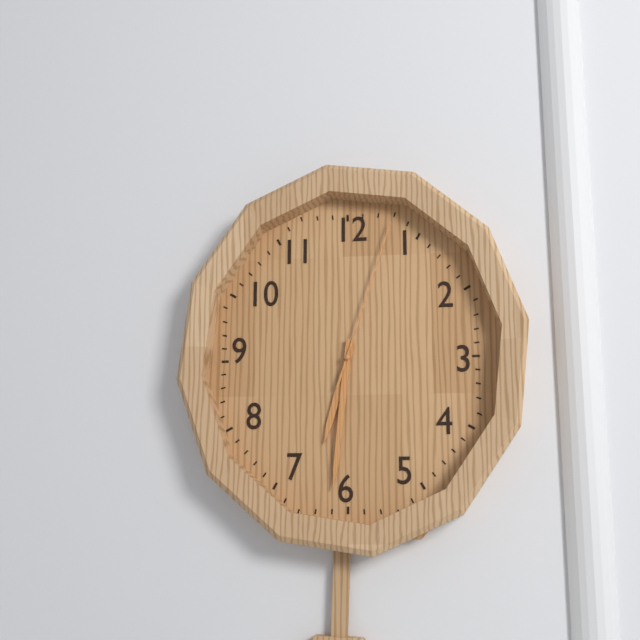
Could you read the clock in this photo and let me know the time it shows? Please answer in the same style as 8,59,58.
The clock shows 6,31,03
